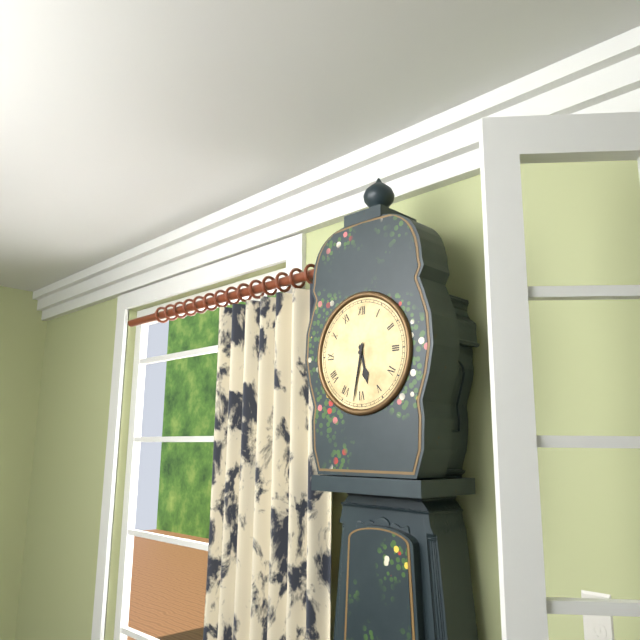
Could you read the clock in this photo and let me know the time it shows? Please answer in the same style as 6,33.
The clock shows 5,32
